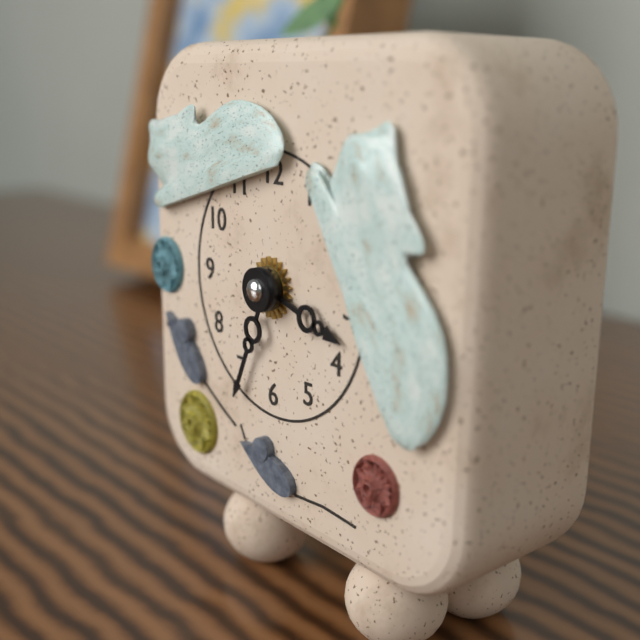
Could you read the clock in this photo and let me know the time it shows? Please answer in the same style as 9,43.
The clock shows 3,34
